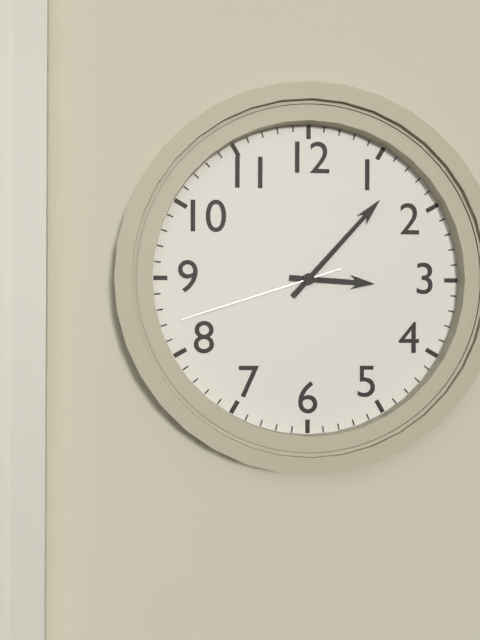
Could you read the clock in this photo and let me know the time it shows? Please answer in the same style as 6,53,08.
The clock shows 3,07,42
